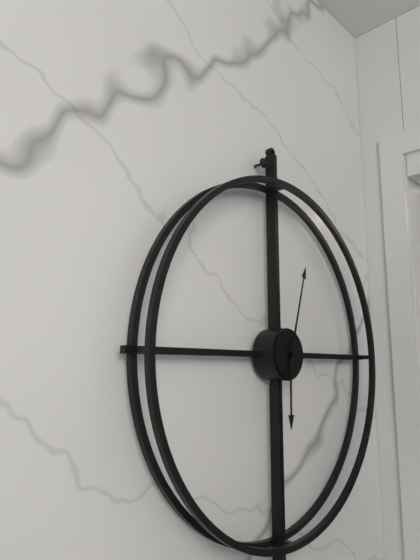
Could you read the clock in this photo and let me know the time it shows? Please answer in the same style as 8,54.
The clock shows 6,03
